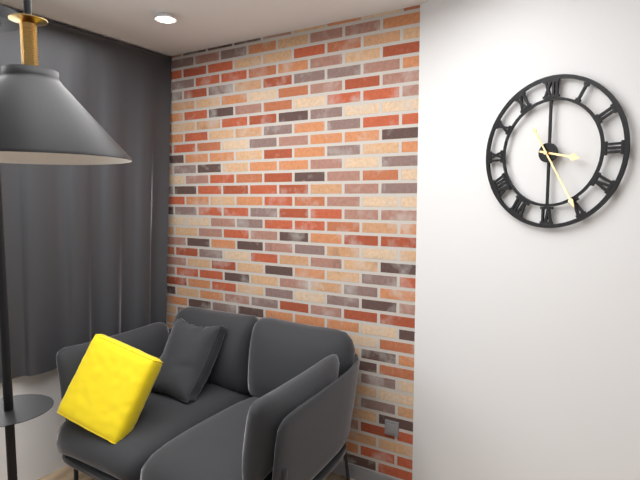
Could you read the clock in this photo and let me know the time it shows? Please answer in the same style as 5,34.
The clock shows 3,25
